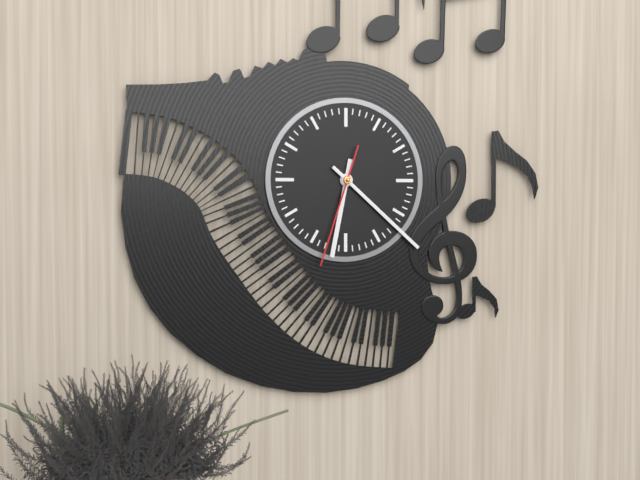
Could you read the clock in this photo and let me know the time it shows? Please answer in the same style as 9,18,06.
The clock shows 6,22,33
